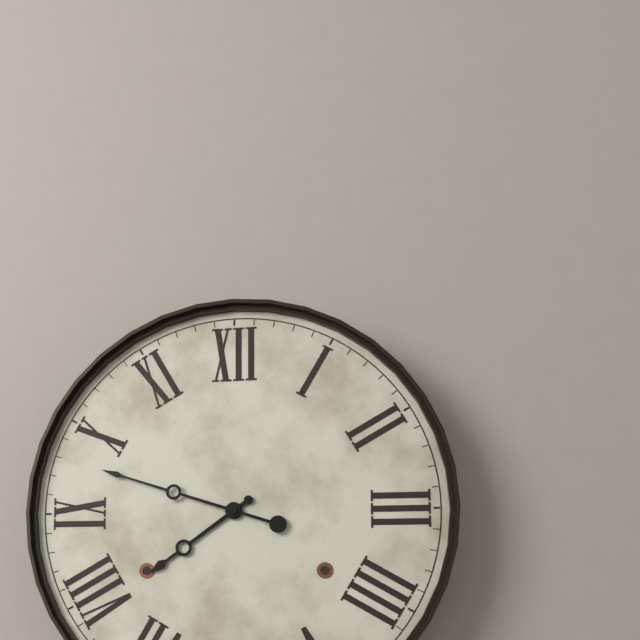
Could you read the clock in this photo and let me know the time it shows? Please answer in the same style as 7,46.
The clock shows 7,48
